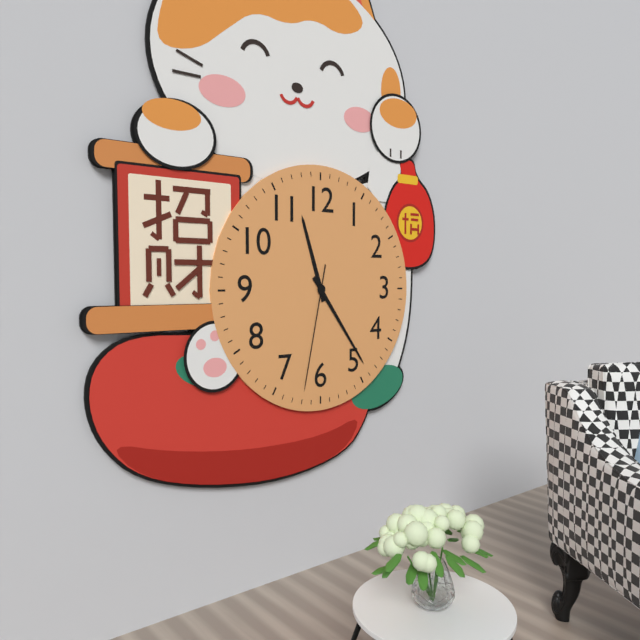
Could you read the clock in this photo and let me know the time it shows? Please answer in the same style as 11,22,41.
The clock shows 11,24,32
